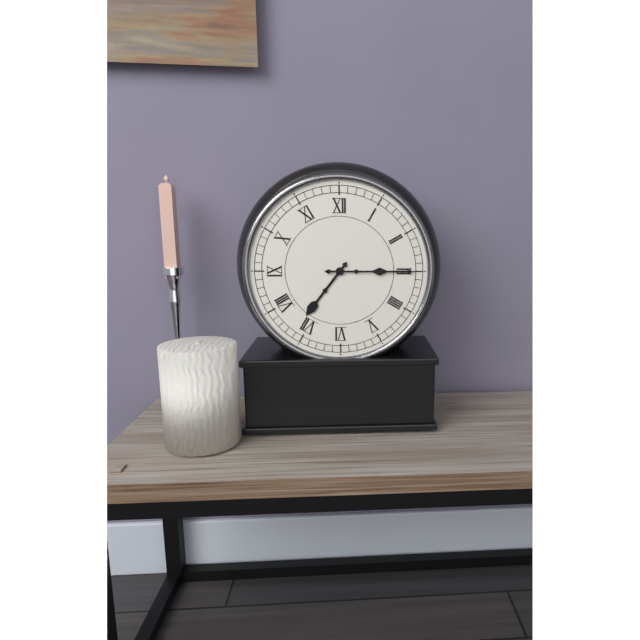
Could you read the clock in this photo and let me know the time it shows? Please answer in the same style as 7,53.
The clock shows 7,15
